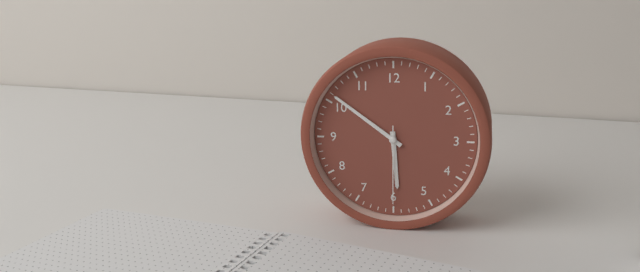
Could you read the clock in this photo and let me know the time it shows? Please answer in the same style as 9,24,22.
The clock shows 5,51,30
